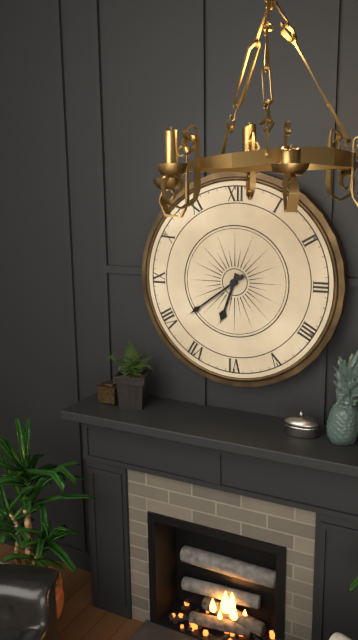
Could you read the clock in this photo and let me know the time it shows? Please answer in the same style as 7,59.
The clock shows 6,39
